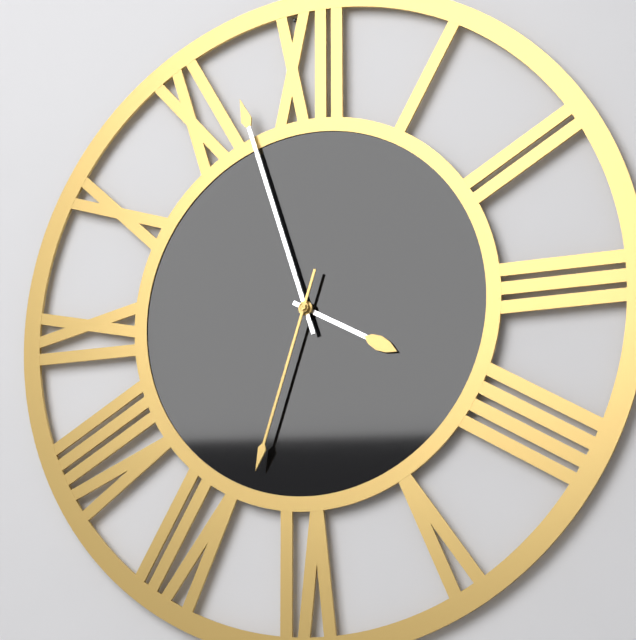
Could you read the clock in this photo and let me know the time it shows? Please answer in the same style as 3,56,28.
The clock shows 3,57,33
